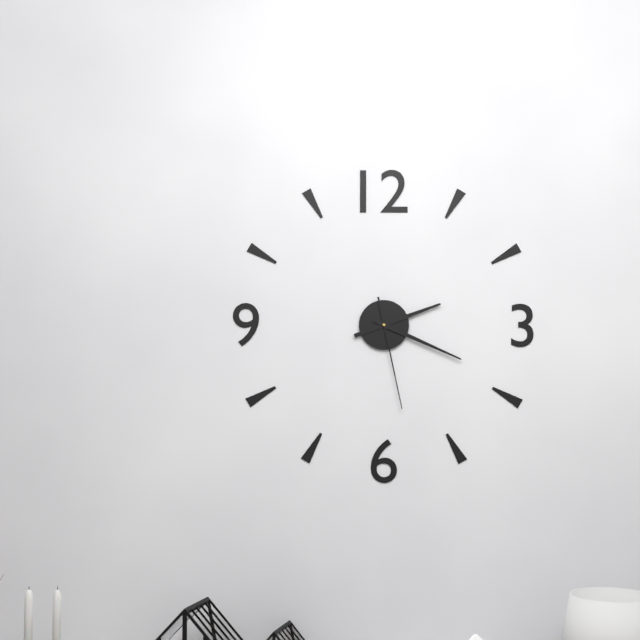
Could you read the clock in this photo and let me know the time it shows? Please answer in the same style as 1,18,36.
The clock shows 2,19,28
